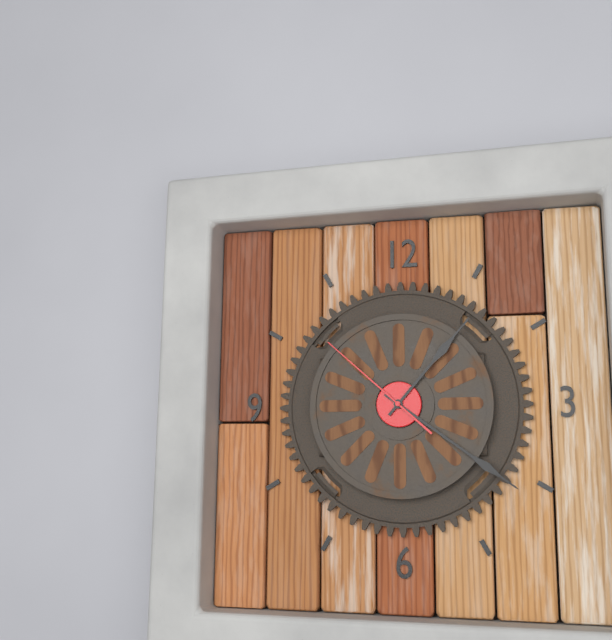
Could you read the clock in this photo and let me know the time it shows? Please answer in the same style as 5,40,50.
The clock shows 1,21,52
